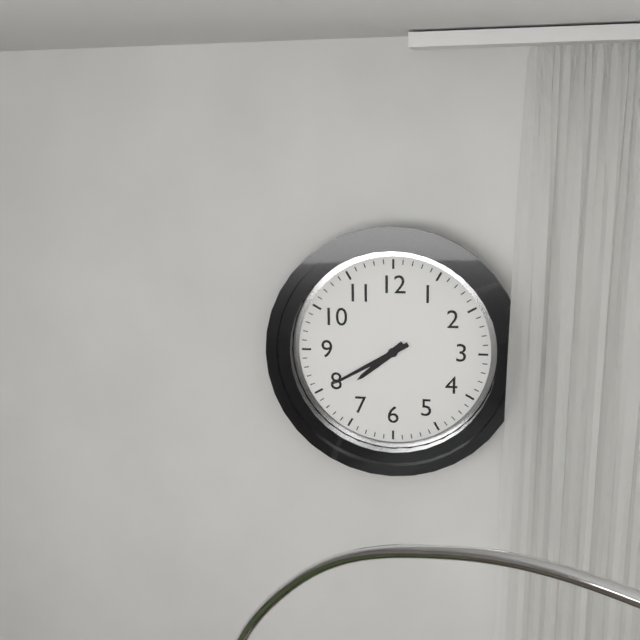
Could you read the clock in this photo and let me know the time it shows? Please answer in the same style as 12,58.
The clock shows 7,40
